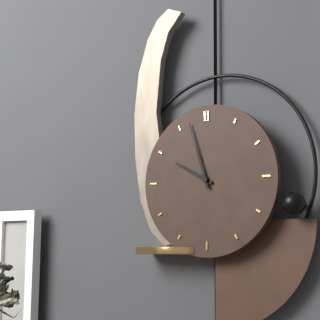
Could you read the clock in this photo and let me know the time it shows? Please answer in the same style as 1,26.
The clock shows 9,57
